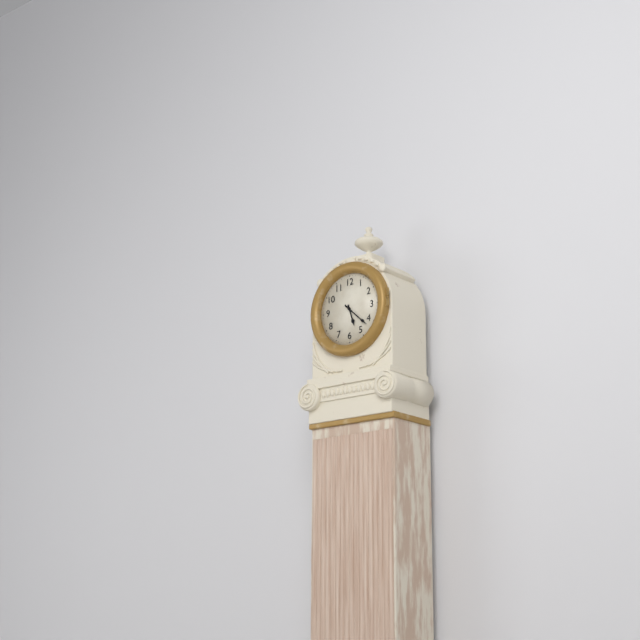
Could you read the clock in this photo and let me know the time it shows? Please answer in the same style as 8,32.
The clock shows 5,22
